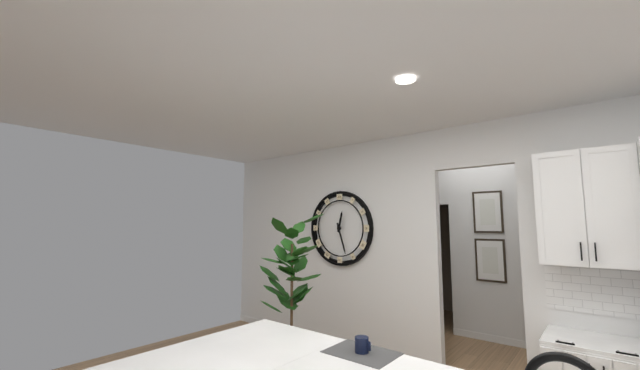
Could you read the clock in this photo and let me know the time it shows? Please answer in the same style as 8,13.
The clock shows 12,27
